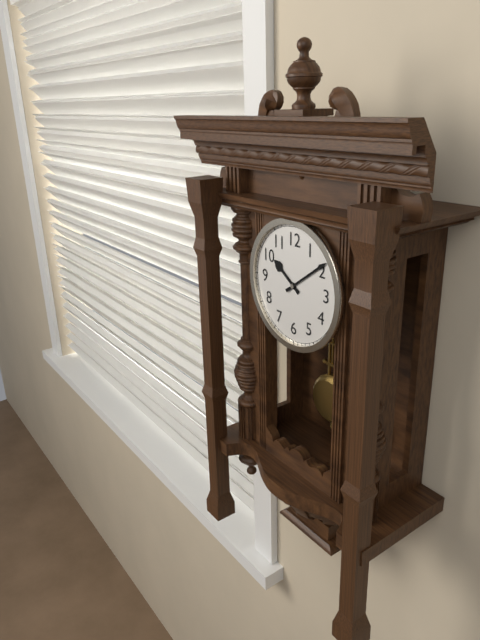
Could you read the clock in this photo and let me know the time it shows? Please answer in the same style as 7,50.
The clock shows 10,09
